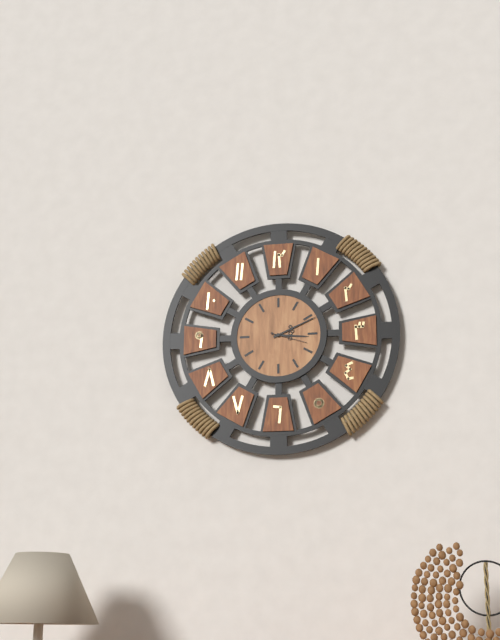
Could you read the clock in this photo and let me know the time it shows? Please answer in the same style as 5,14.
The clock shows 3,11
